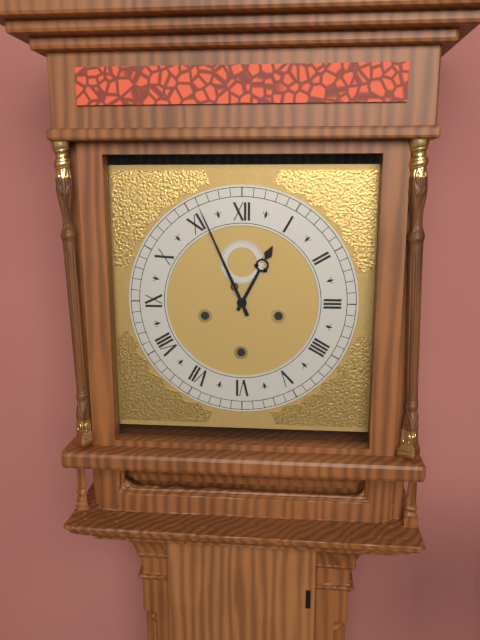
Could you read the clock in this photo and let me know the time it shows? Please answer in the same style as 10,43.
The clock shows 12,56
